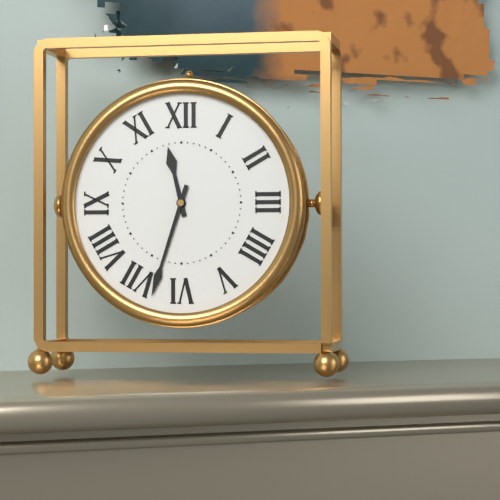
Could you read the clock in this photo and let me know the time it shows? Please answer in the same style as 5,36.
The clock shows 11,33
